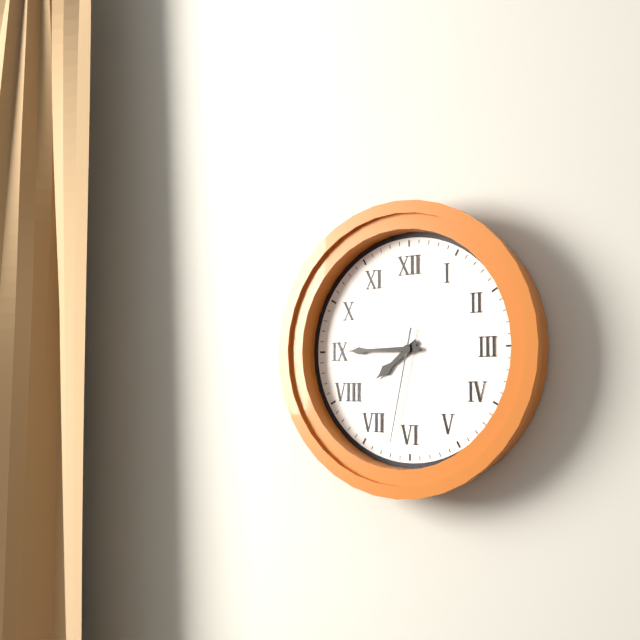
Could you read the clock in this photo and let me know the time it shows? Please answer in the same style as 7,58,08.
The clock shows 7,45,32
